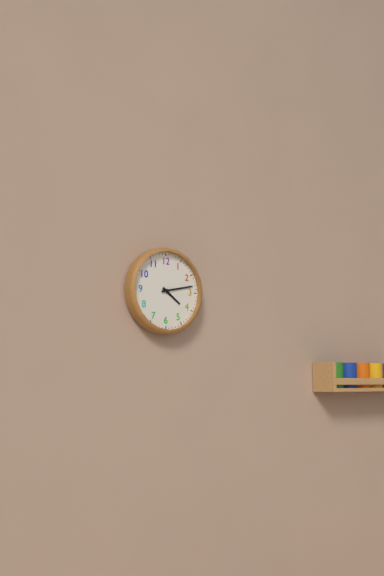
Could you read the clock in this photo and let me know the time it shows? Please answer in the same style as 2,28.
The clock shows 4,13
